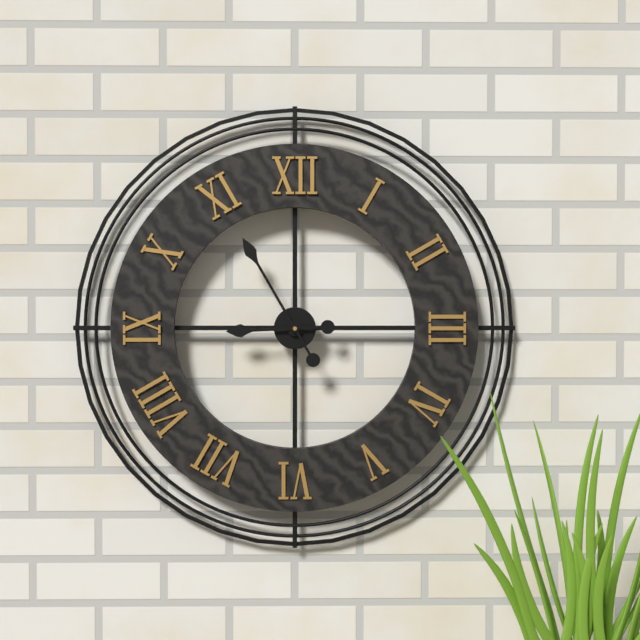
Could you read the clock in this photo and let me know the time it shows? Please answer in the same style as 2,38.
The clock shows 8,55
